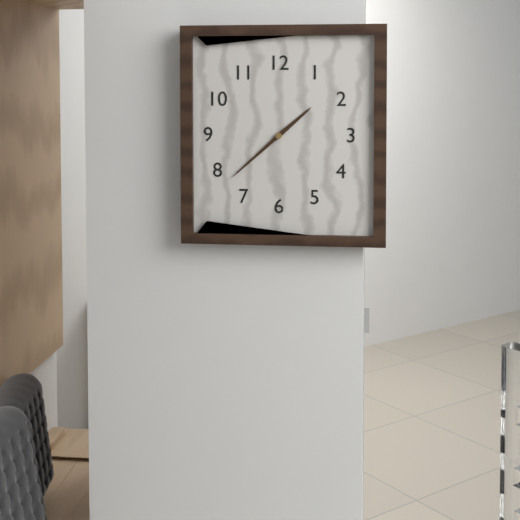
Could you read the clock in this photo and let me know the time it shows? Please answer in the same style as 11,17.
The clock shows 1,38
